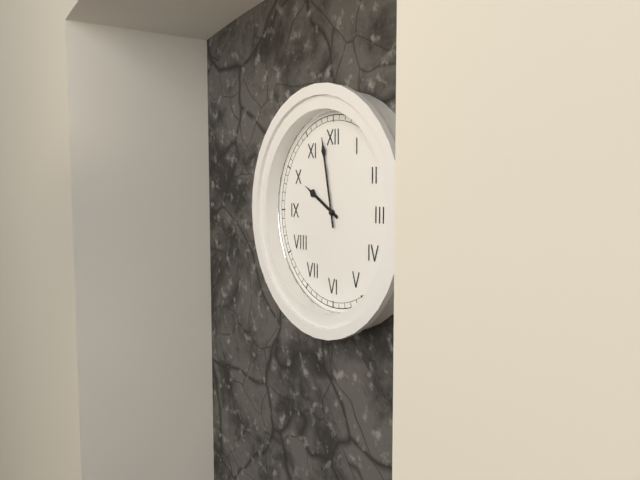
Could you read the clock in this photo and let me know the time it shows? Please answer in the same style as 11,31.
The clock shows 9,58
